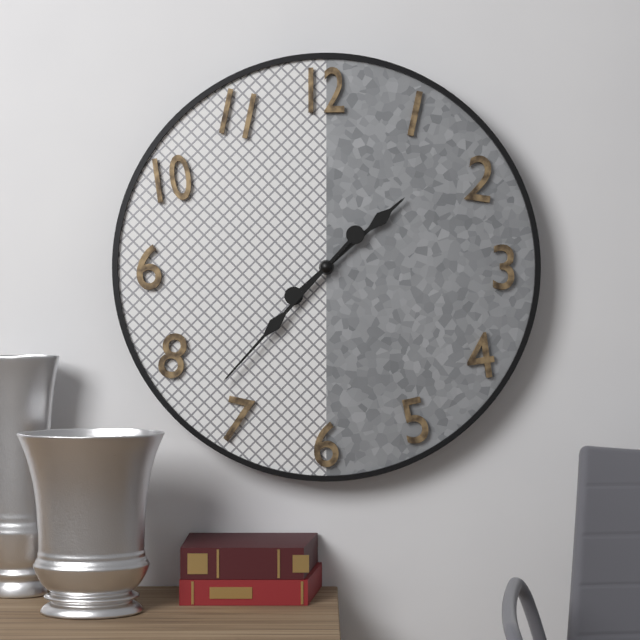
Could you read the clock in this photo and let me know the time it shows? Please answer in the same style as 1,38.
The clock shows 1,37
